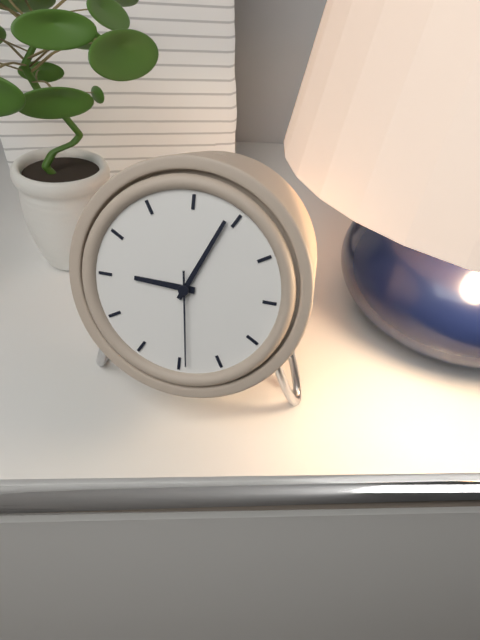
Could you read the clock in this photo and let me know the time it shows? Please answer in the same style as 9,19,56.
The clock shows 9,04,29
